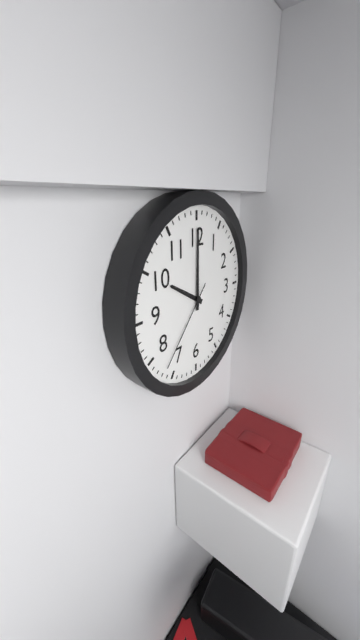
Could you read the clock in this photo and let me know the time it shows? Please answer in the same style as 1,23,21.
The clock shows 10,00,37
